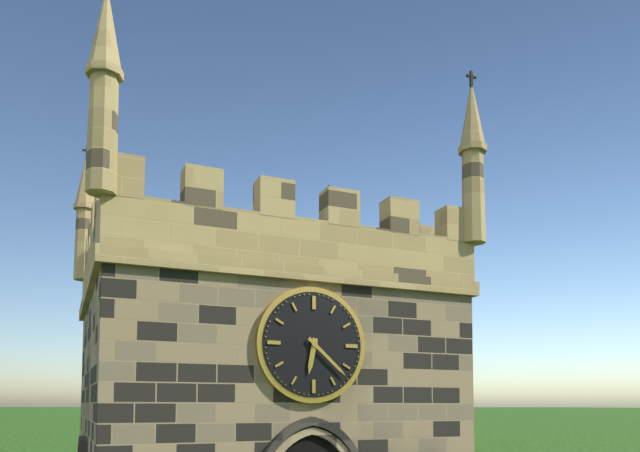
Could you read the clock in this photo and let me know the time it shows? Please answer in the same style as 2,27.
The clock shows 6,22
